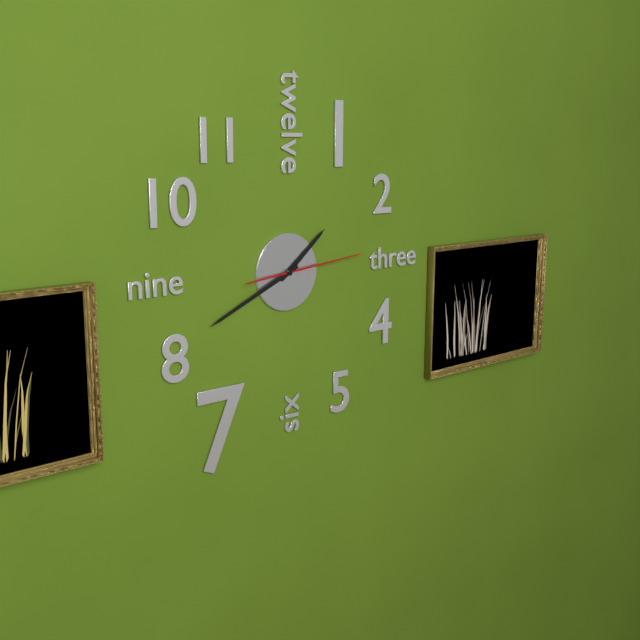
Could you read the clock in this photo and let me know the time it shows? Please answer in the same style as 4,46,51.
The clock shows 1,41,14
